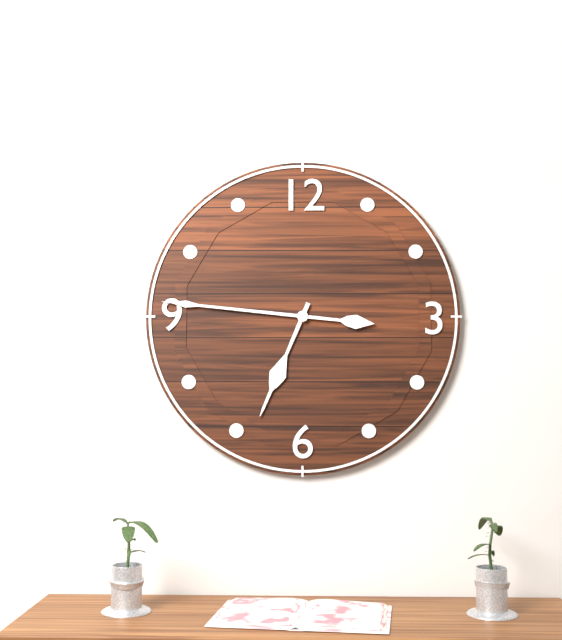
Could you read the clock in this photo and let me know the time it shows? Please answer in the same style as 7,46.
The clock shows 6,46
